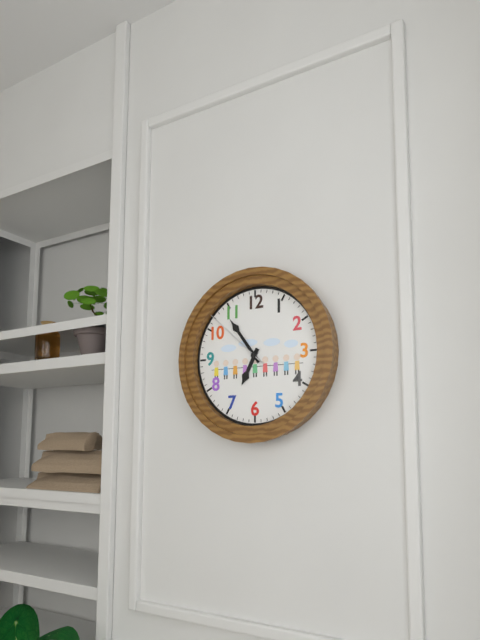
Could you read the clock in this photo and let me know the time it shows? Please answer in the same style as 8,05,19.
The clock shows 6,54,52
